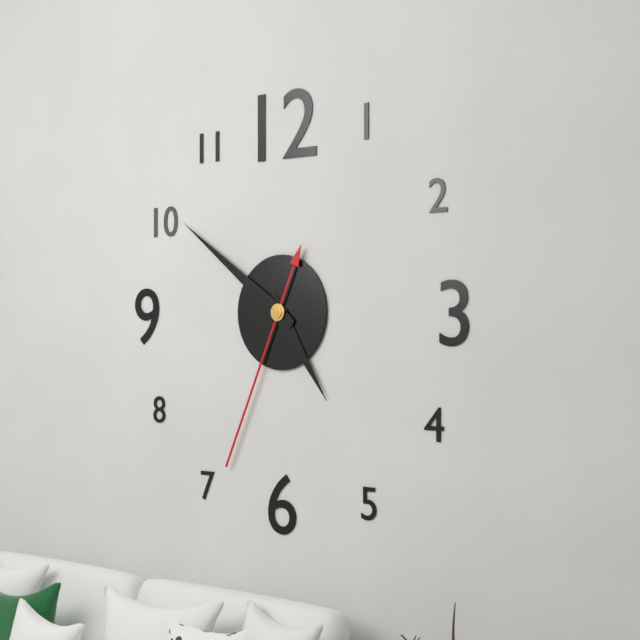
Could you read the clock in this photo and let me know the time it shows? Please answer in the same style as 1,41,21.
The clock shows 4,51,34
